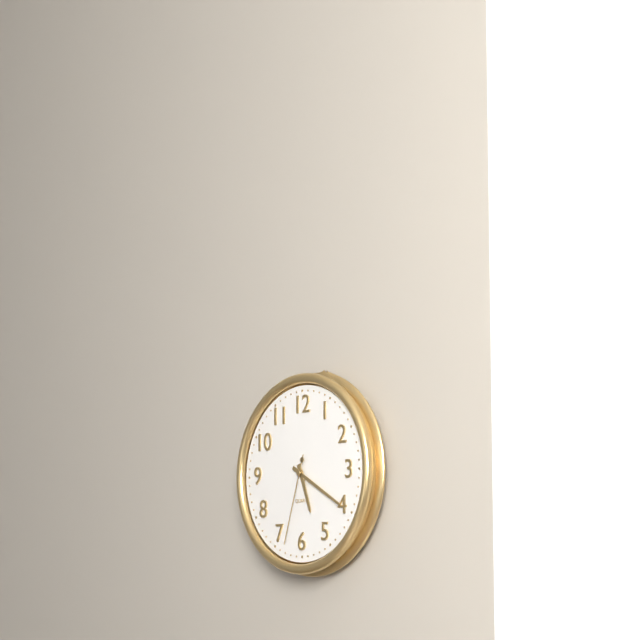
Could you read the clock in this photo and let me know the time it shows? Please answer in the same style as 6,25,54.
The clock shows 5,20,33
